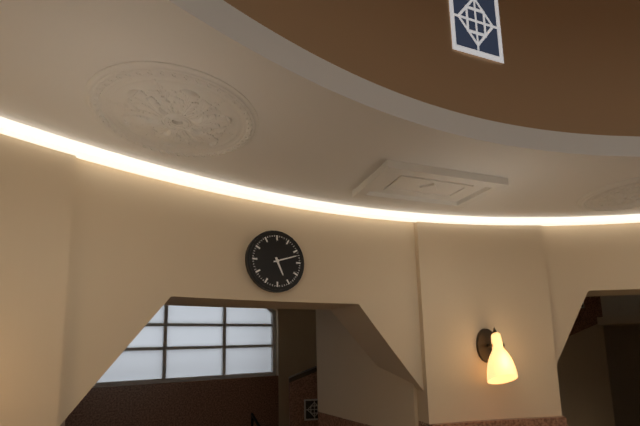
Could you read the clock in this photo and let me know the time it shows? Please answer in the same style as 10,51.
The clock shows 5,12
